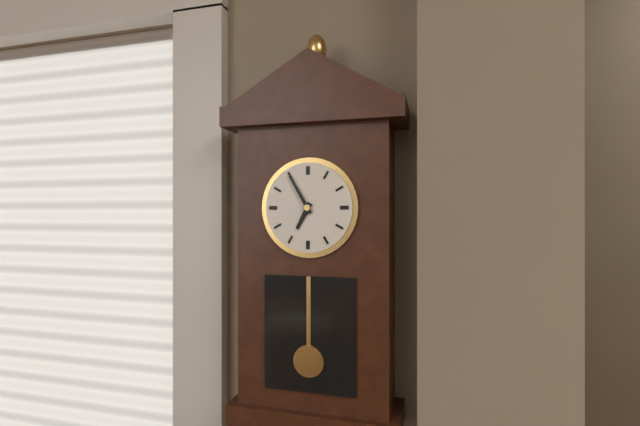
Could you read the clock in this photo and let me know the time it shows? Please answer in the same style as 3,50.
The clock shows 6,55
